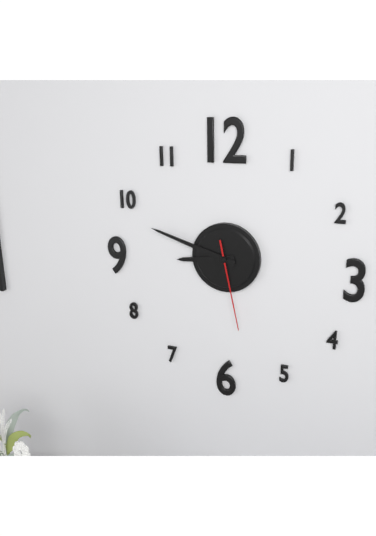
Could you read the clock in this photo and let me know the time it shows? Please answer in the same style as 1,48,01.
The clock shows 8,48,28
